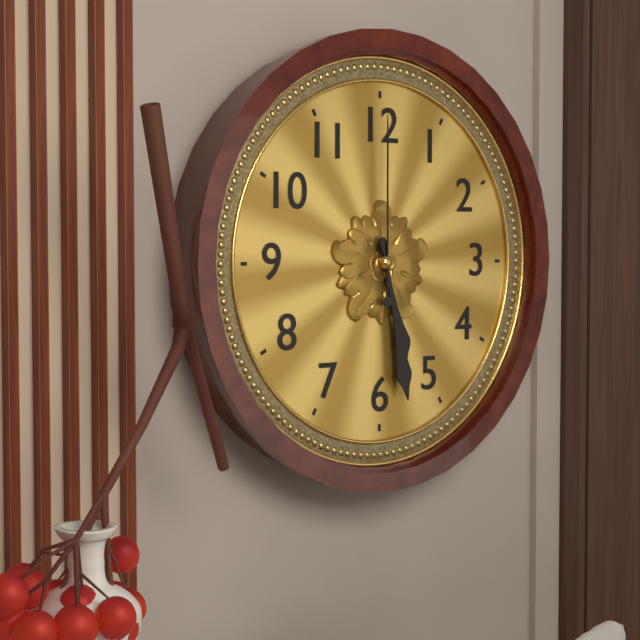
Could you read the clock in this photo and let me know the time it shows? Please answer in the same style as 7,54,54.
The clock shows 5,28,00
